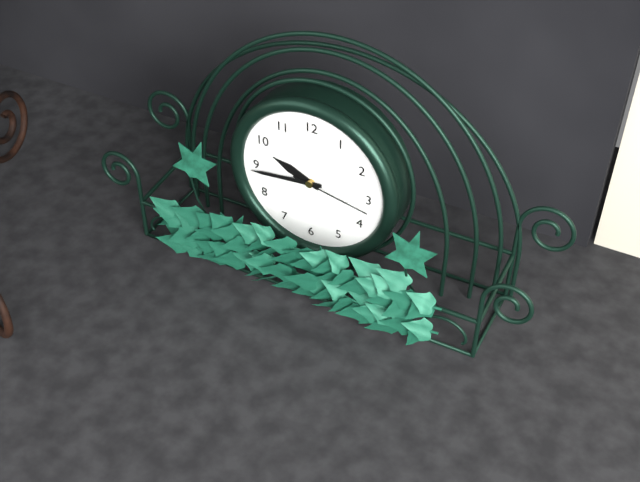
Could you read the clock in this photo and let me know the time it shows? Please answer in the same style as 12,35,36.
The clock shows 9,44,17
